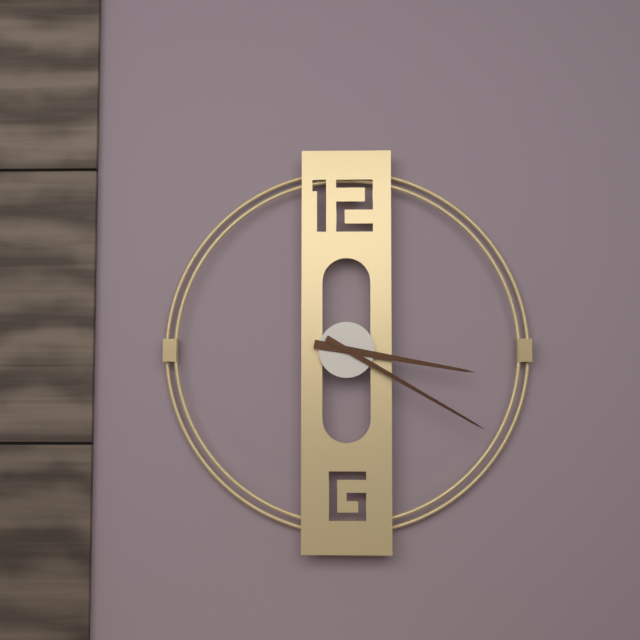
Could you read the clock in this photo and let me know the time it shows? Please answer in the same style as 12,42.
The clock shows 3,20
